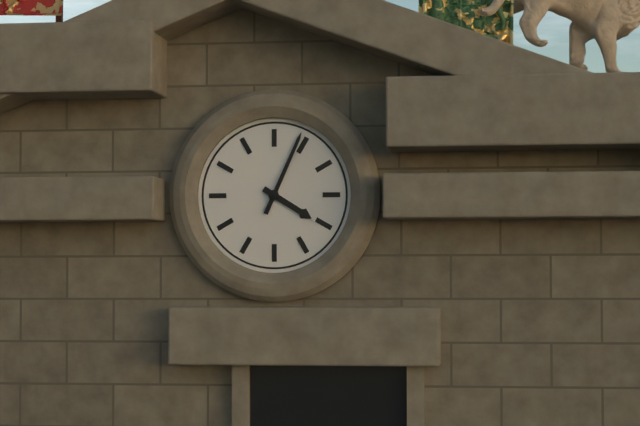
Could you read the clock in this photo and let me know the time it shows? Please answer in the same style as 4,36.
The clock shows 4,04
